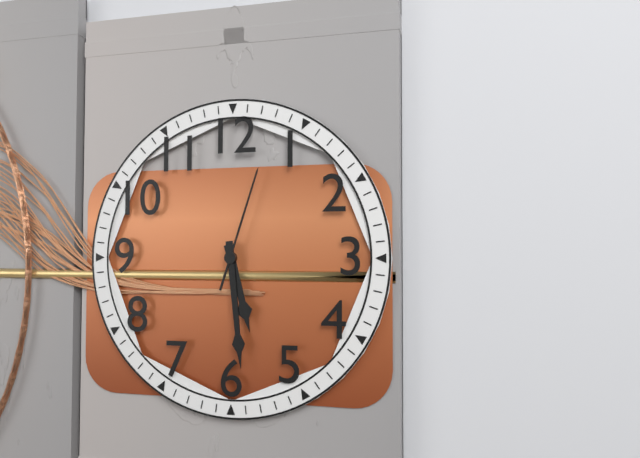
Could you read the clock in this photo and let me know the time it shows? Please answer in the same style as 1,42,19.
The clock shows 5,29,03
